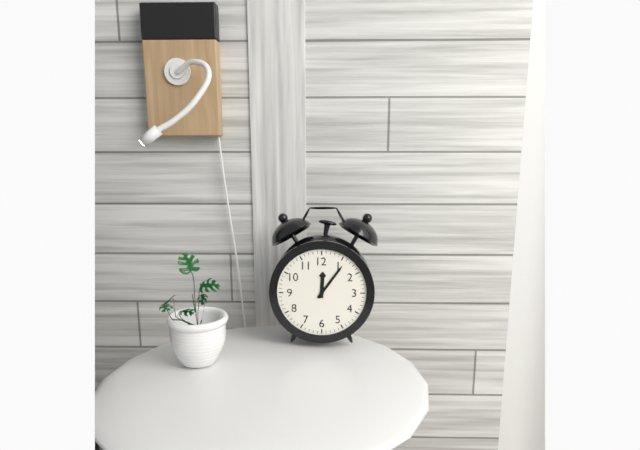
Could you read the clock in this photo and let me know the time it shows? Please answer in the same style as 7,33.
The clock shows 12,06
